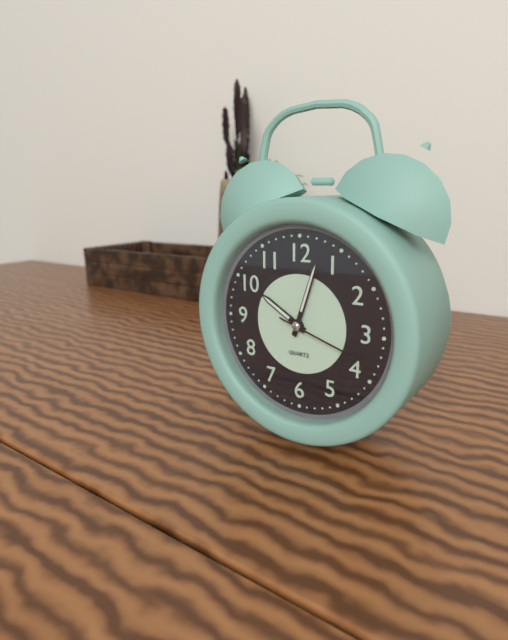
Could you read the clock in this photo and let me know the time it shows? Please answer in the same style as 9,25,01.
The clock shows 10,03,18
